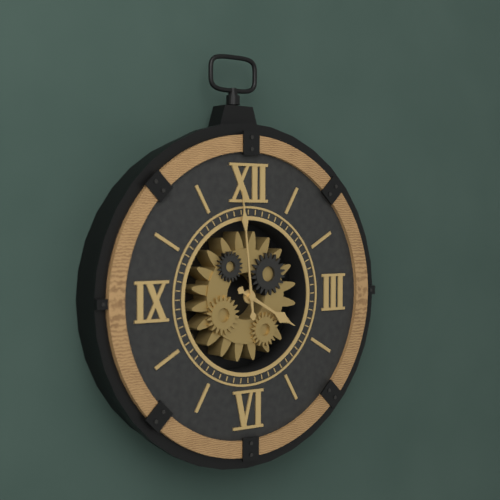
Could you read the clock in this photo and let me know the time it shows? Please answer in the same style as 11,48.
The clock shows 3,59
